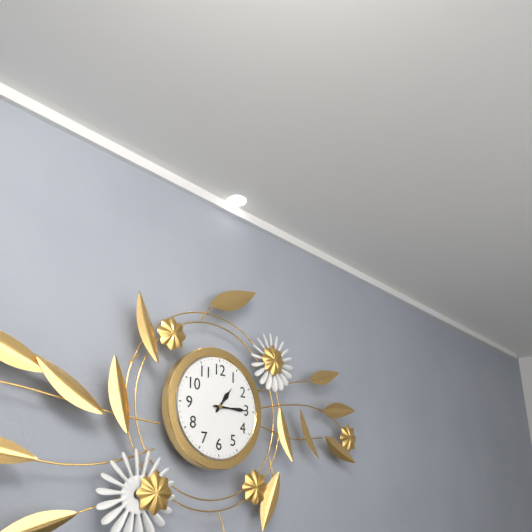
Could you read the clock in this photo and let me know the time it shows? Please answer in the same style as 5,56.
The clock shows 1,15
